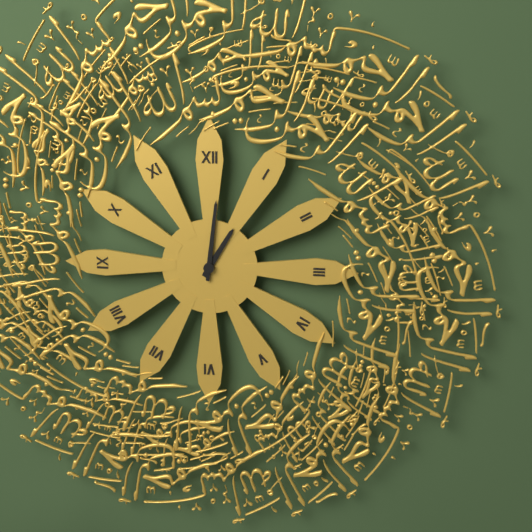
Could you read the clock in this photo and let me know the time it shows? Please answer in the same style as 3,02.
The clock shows 1,01
